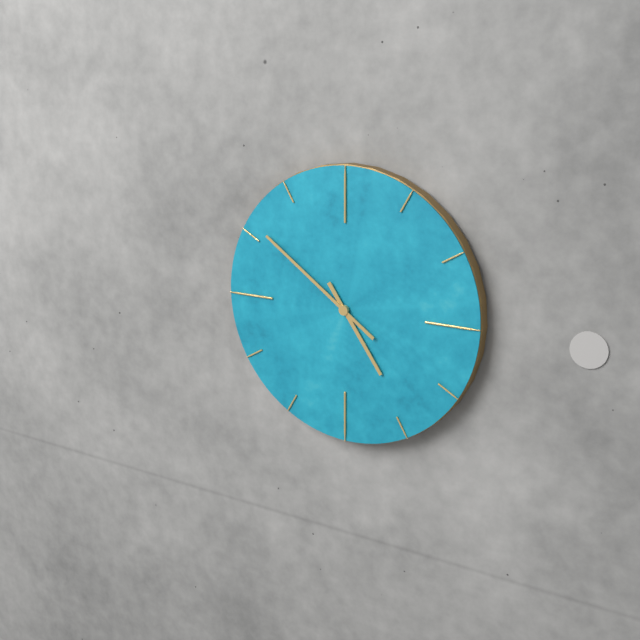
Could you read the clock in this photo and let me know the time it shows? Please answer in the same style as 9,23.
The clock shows 4,51
